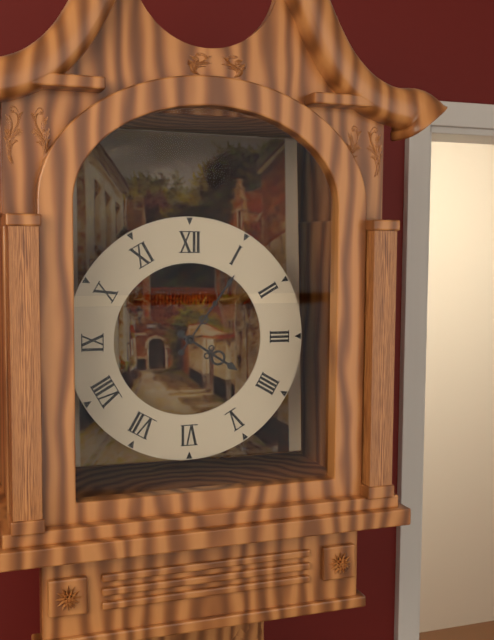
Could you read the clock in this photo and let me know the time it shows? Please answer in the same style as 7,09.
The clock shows 4,06
